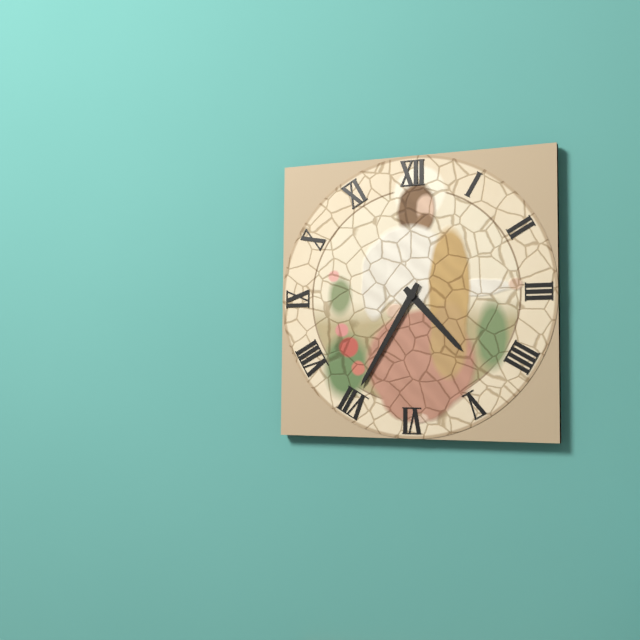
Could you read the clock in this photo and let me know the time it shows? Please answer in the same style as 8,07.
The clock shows 4,35
